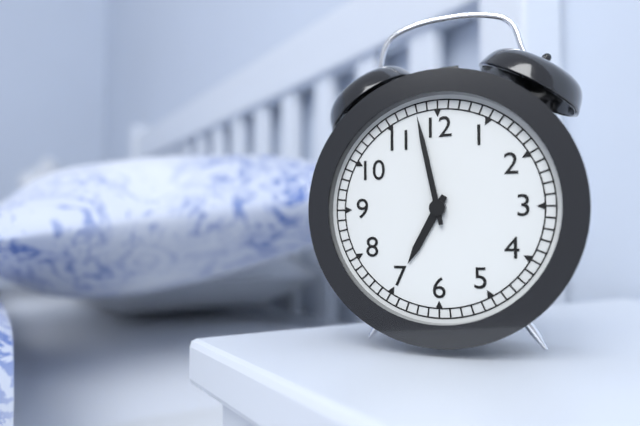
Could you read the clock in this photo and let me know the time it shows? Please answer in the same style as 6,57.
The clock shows 6,58
